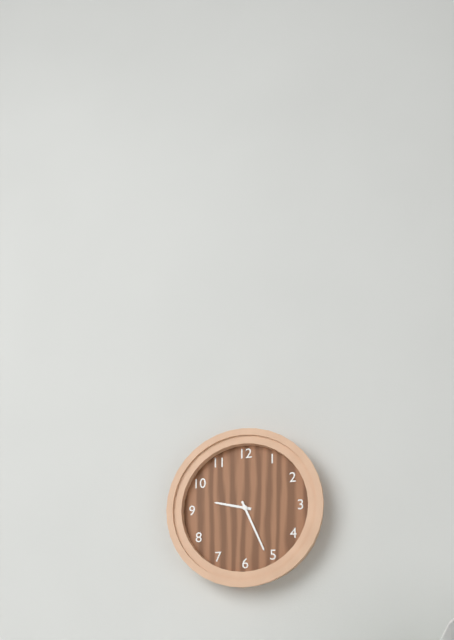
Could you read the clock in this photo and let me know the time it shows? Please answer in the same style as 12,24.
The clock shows 9,26
